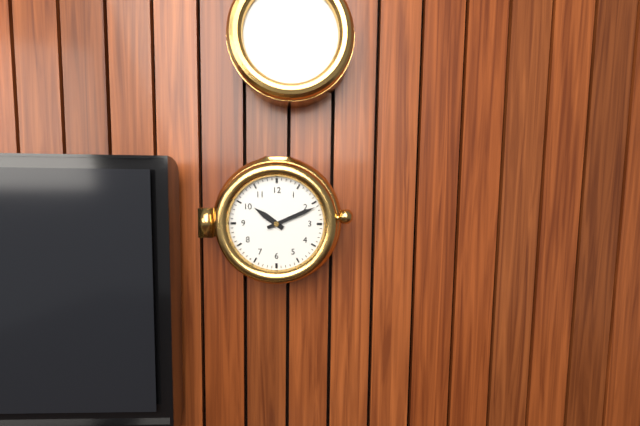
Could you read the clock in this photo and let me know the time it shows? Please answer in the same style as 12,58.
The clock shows 10,11
